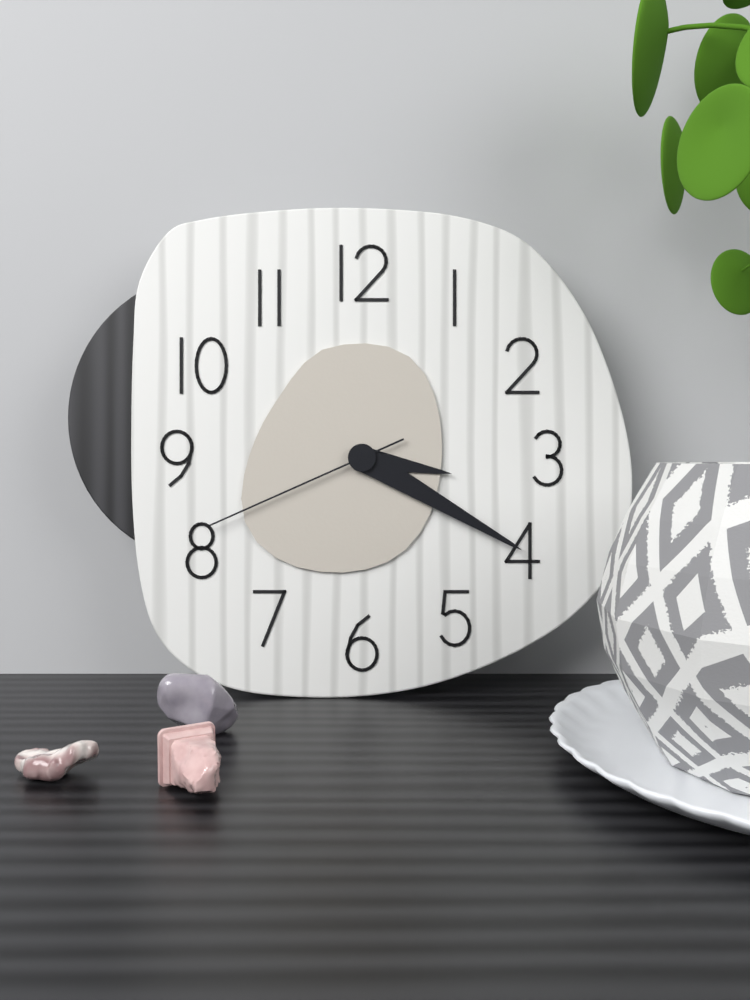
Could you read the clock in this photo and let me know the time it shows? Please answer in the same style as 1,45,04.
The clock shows 3,20,41
